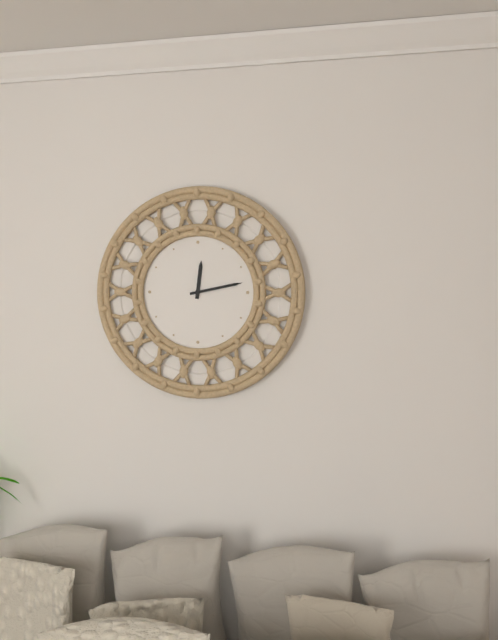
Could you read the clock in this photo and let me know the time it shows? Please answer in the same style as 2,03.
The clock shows 12,13
